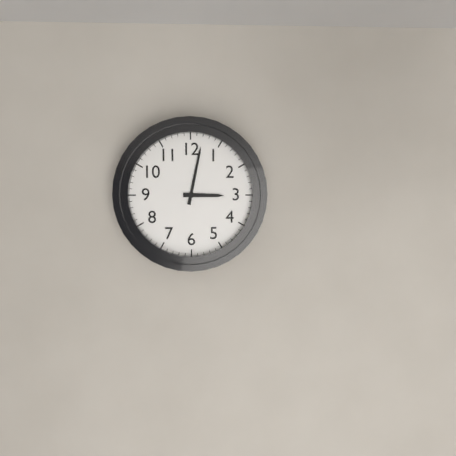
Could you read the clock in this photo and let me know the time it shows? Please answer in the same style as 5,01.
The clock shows 3,02
